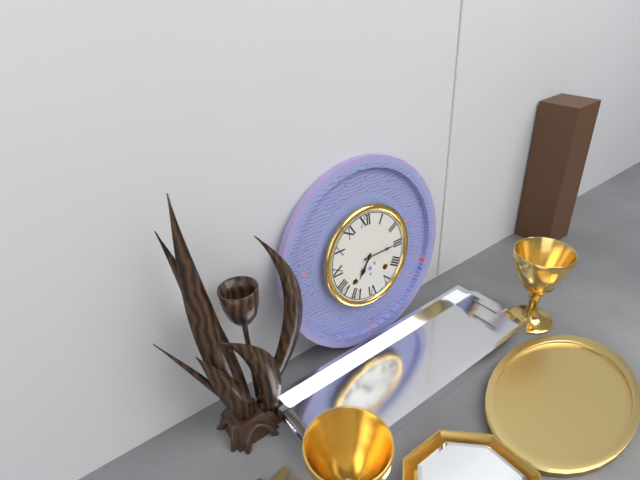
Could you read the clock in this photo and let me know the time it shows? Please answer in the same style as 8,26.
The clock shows 7,15
